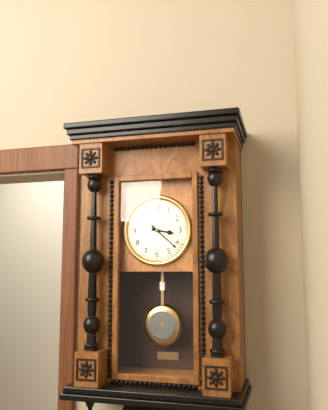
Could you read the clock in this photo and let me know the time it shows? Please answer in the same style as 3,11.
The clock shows 3,22
